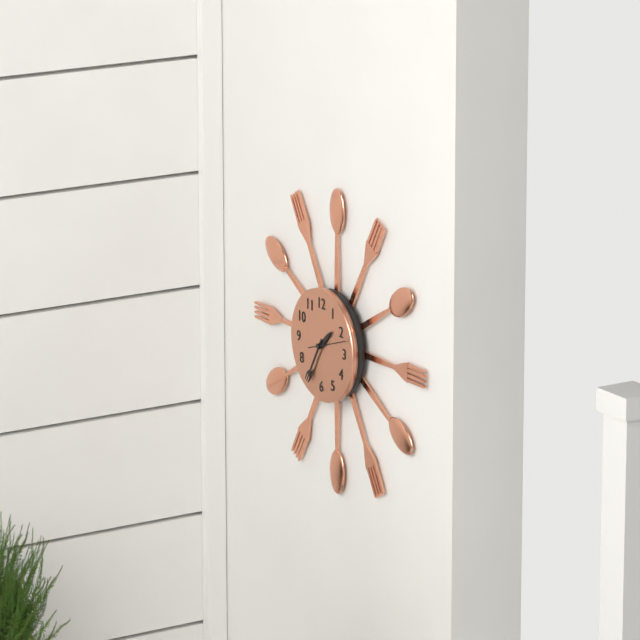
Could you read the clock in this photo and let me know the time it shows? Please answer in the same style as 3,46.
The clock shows 1,35
